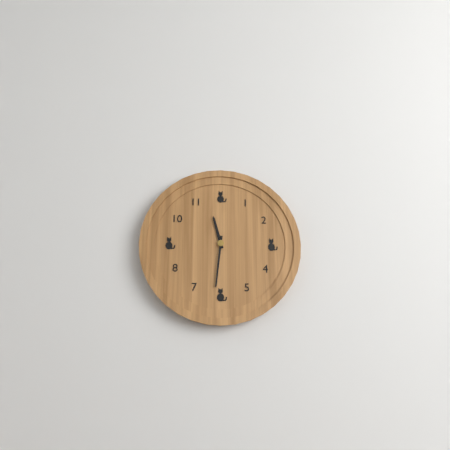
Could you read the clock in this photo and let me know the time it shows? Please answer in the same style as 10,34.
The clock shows 11,31
